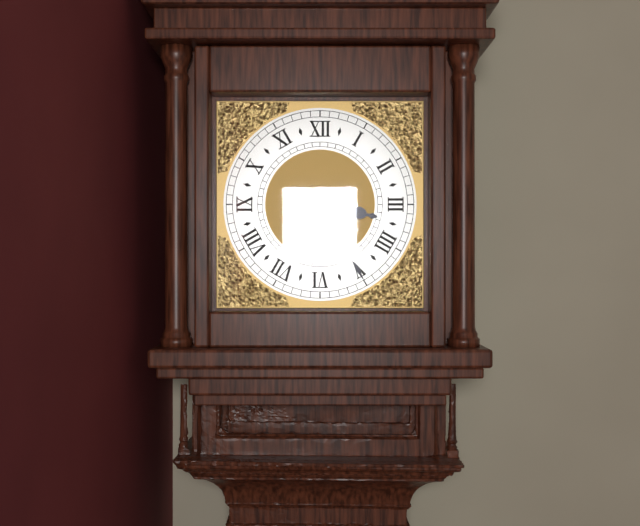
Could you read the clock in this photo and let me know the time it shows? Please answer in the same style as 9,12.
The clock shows 3,25
